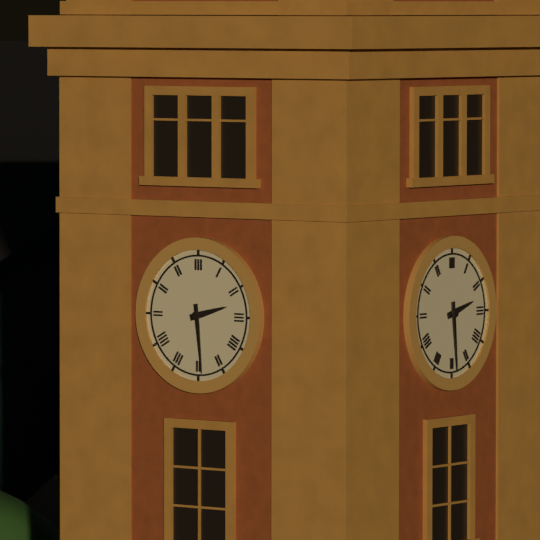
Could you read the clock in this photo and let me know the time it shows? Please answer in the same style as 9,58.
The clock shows 2,29
